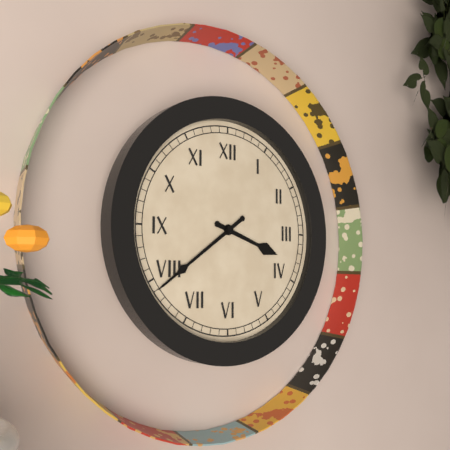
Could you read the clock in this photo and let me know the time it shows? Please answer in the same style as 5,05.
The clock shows 3,39
